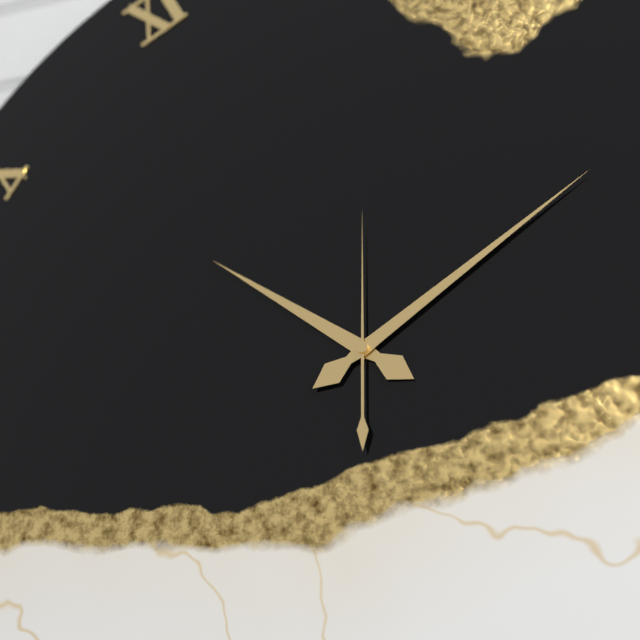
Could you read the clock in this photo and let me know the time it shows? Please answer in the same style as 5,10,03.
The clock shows 10,09,00
